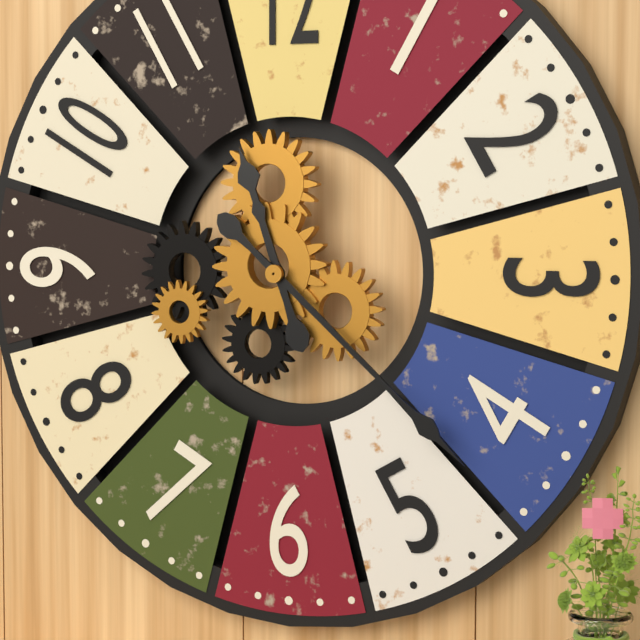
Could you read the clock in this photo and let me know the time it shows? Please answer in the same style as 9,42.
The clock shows 11,22
